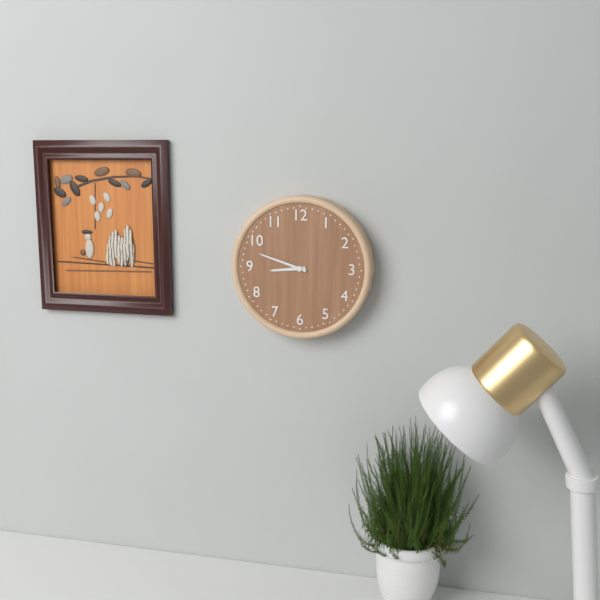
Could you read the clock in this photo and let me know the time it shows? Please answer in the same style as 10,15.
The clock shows 8,48
